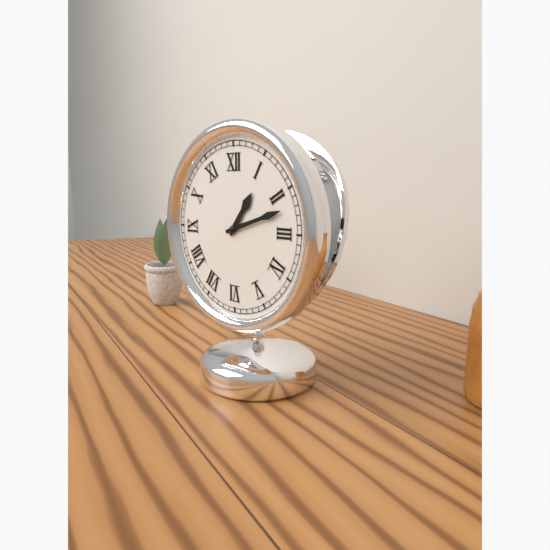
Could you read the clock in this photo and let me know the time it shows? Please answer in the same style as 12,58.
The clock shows 1,12
